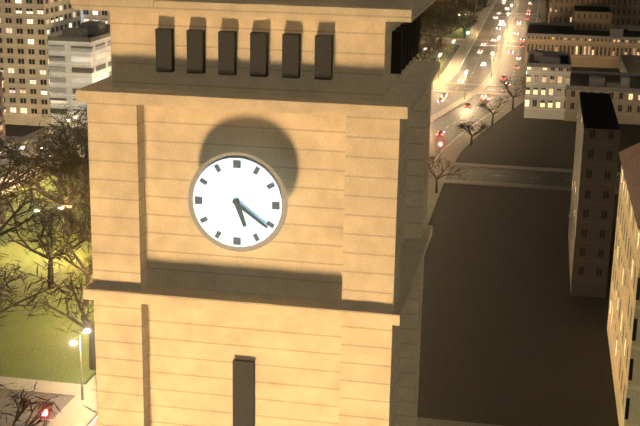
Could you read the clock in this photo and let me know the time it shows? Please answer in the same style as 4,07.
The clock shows 5,21
